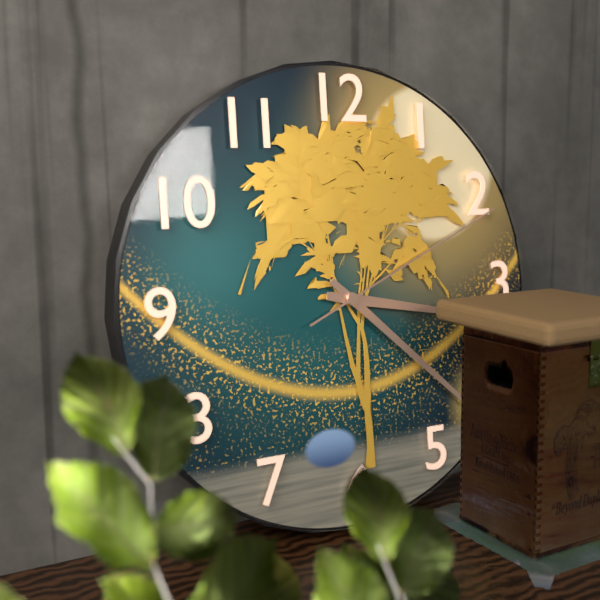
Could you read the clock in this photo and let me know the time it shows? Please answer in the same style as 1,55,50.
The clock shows 3,22,11
